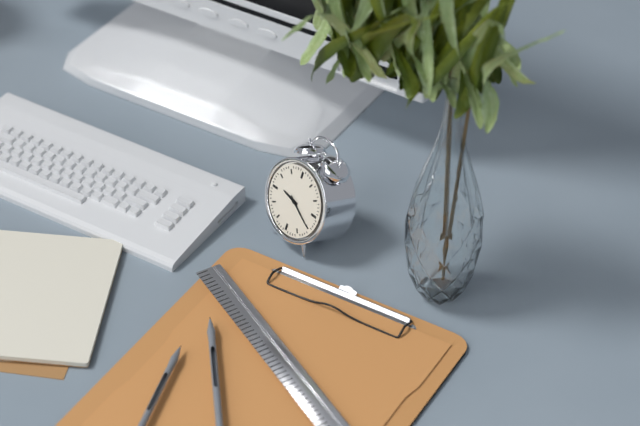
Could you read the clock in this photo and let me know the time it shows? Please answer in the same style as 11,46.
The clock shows 9,20
